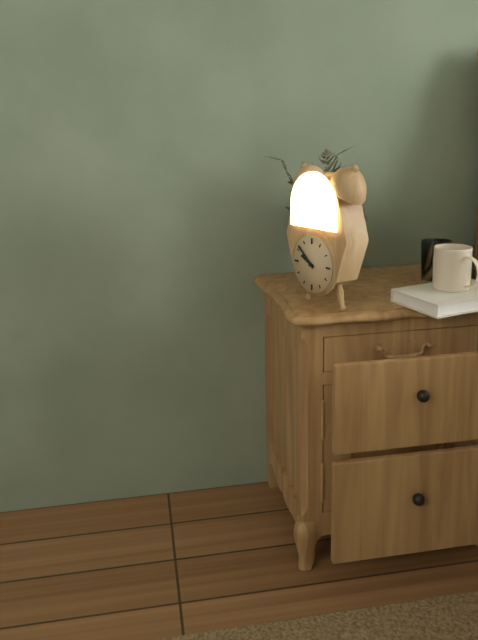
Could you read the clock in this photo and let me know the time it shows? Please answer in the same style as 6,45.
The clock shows 9,52
